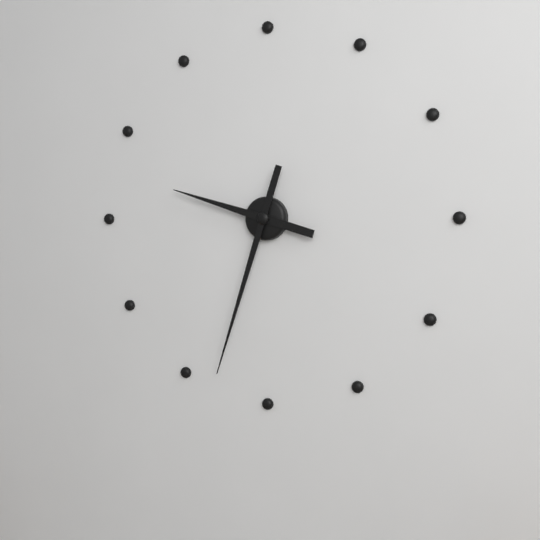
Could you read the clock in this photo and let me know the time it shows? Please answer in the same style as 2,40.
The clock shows 9,33
